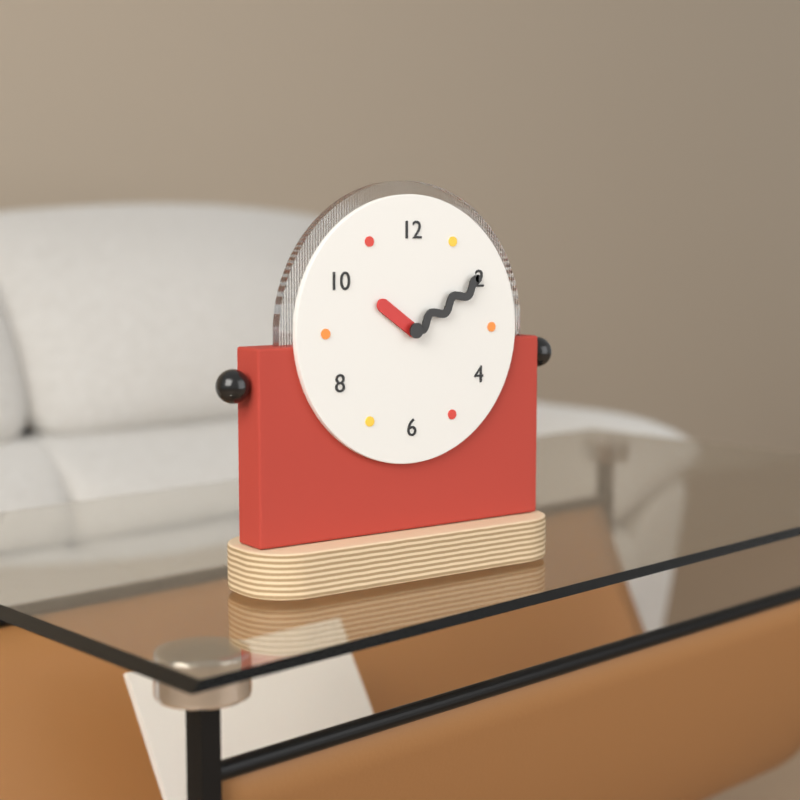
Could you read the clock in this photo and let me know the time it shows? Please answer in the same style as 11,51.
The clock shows 10,10
